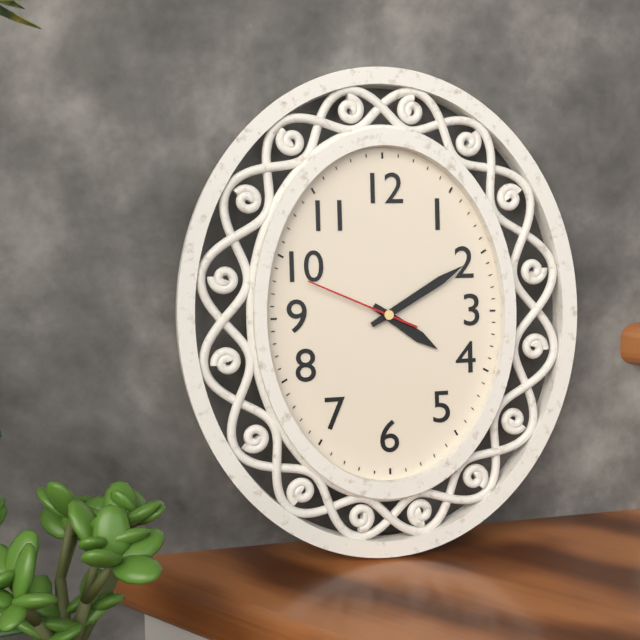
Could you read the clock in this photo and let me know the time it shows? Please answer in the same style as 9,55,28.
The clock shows 4,10,49
